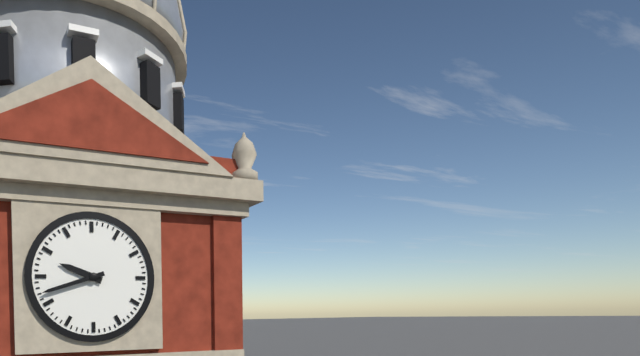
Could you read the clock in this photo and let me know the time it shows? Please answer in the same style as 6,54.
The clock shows 9,42
